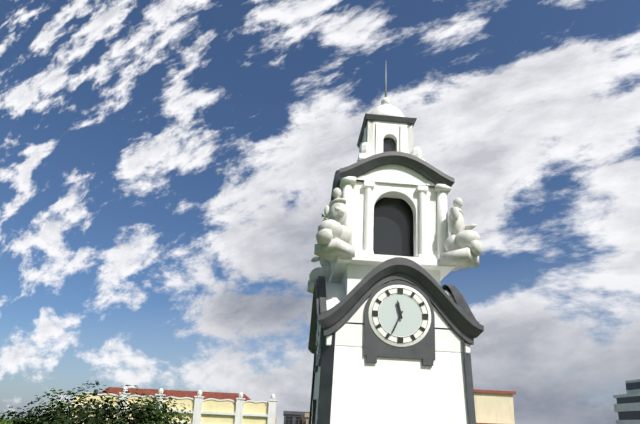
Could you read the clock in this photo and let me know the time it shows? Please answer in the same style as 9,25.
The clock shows 11,34
